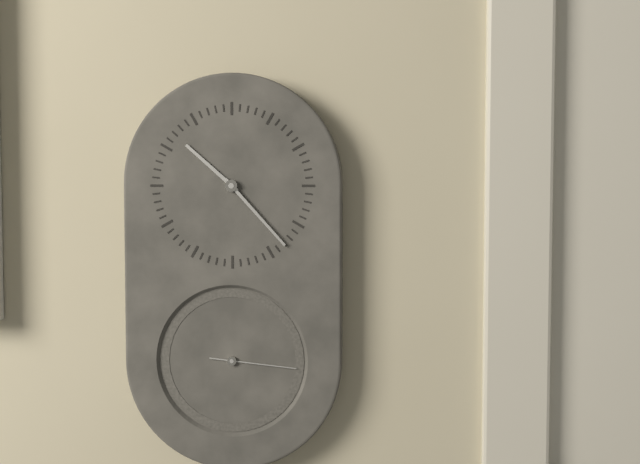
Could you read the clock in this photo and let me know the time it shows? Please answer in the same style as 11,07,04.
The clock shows 10,23,16
